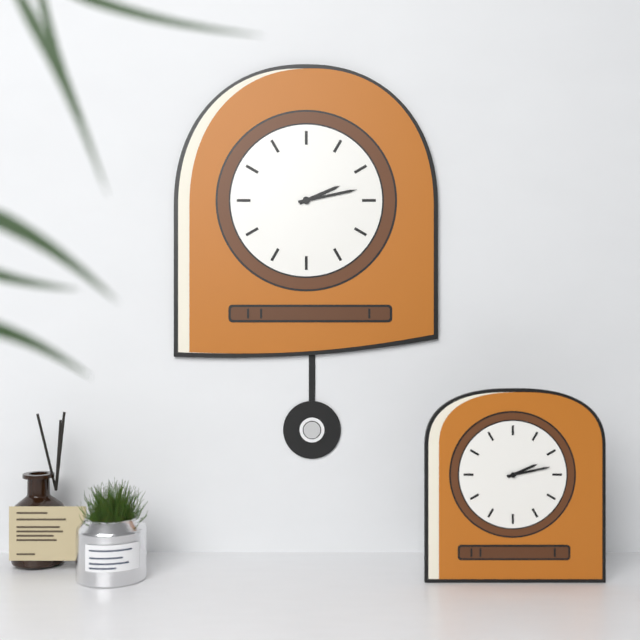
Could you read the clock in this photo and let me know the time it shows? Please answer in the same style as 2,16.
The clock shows 2,13
